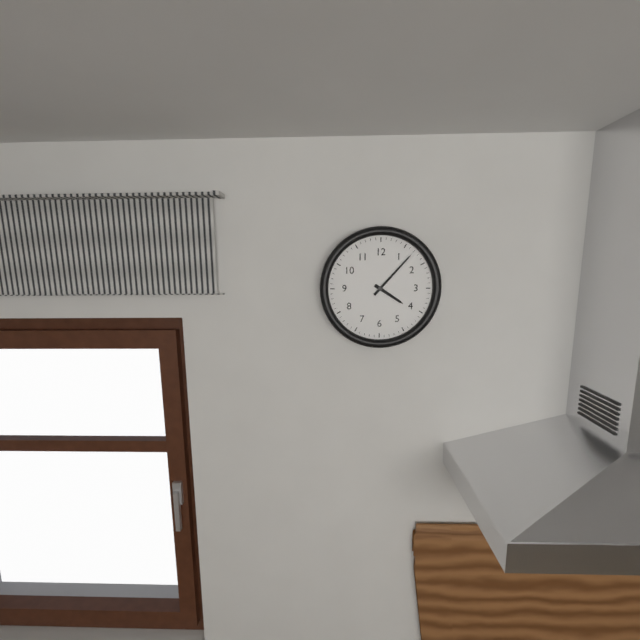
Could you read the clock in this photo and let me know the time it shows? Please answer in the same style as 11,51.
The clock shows 4,07
